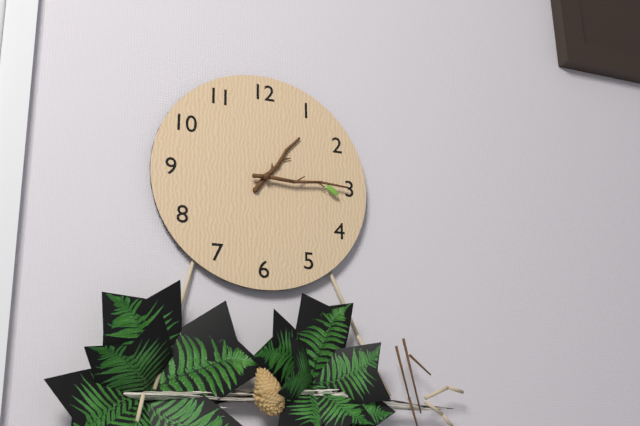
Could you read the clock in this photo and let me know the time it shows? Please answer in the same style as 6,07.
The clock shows 1,15
